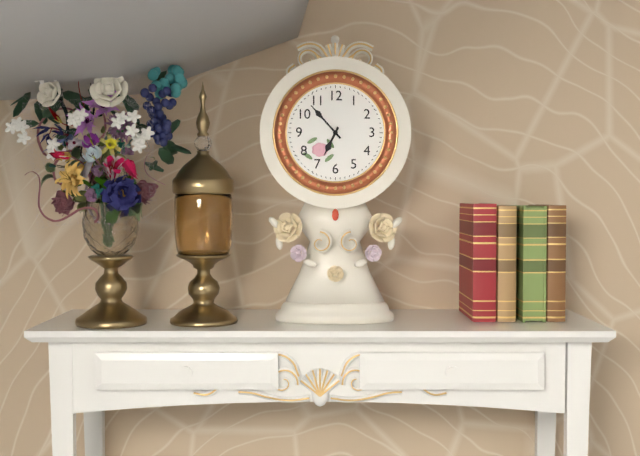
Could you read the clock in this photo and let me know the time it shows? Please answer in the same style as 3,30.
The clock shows 6,53
